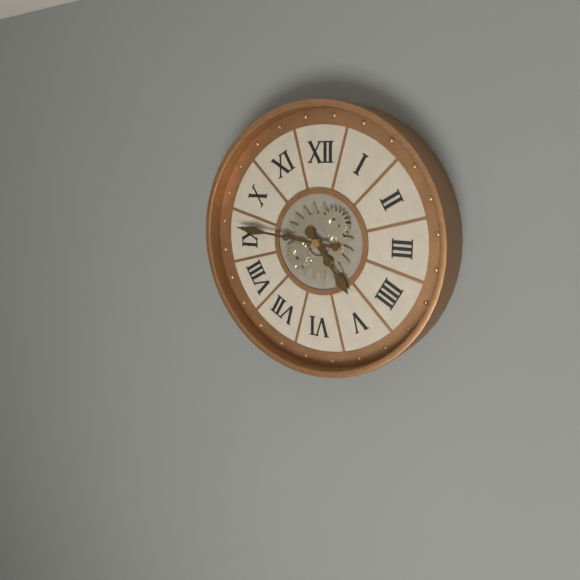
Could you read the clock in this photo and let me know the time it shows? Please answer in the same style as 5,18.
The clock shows 4,46
